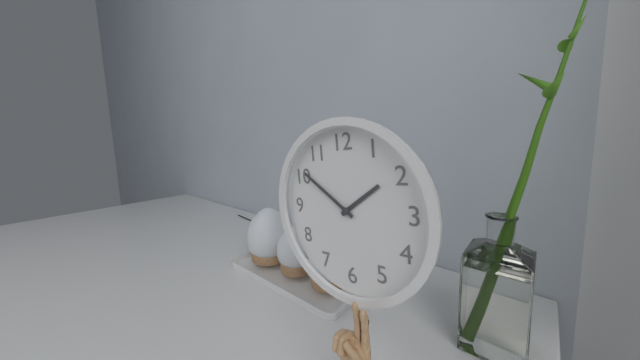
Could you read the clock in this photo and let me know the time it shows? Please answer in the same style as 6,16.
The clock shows 1,51
